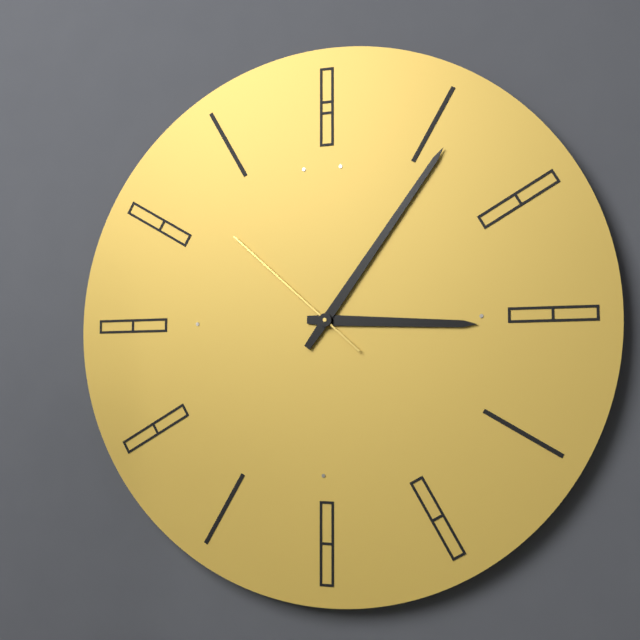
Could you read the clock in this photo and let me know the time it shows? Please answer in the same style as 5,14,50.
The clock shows 3,06,52
